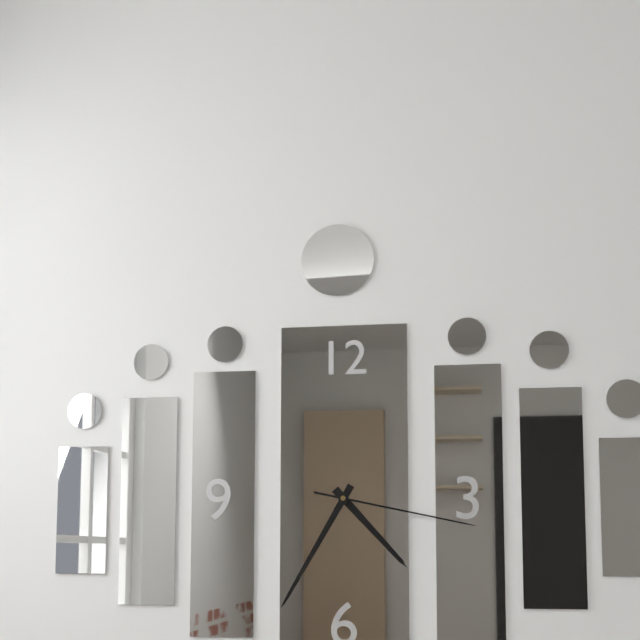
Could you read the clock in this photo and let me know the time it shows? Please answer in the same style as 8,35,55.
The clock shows 4,35,17
